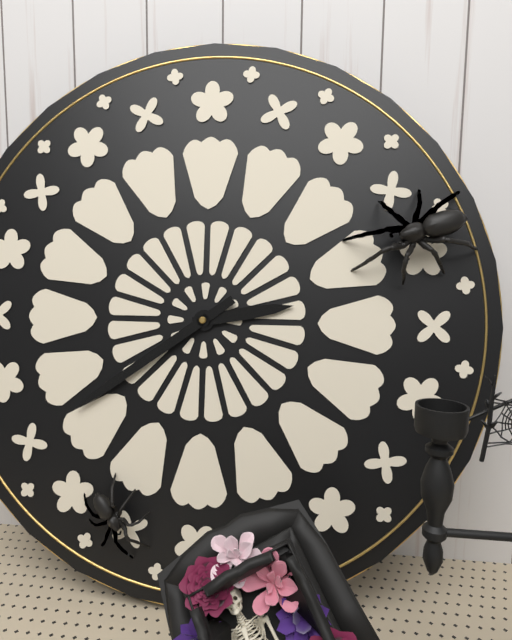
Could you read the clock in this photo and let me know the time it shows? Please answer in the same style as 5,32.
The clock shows 2,39
